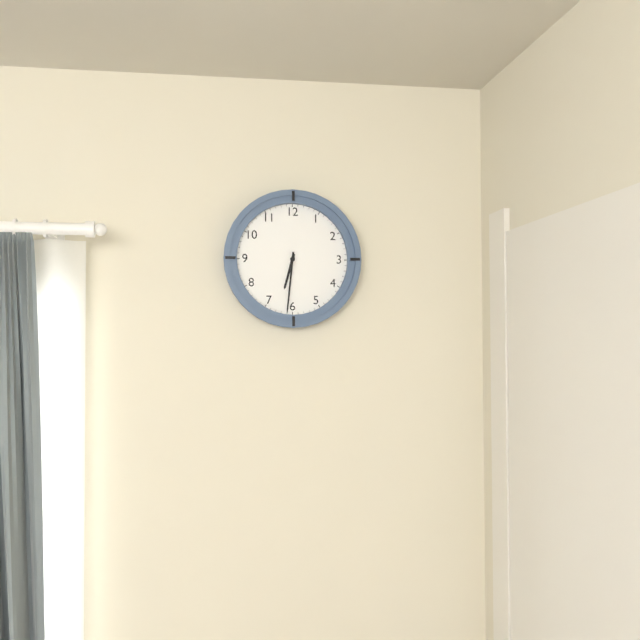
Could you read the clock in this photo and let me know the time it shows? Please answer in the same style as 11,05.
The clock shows 6,31
